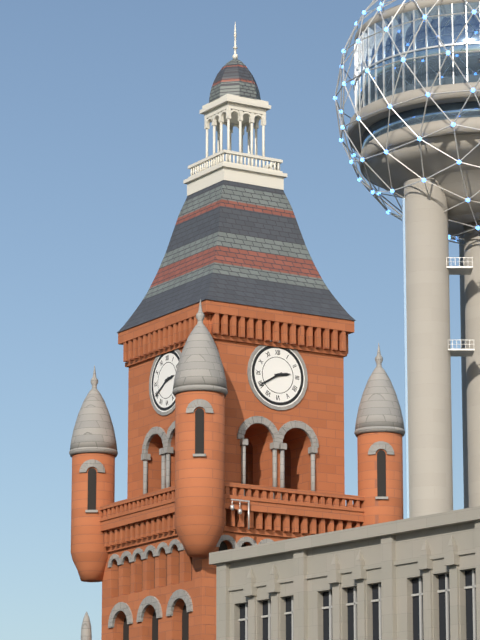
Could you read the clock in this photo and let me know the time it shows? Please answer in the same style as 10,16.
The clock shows 2,40
